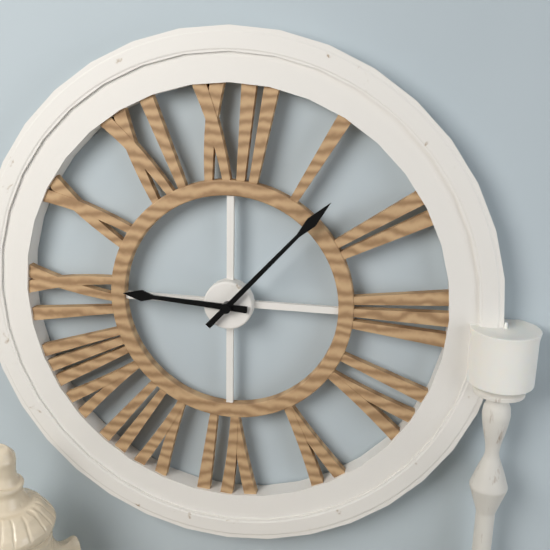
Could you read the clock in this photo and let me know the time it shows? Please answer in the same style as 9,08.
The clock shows 9,07
